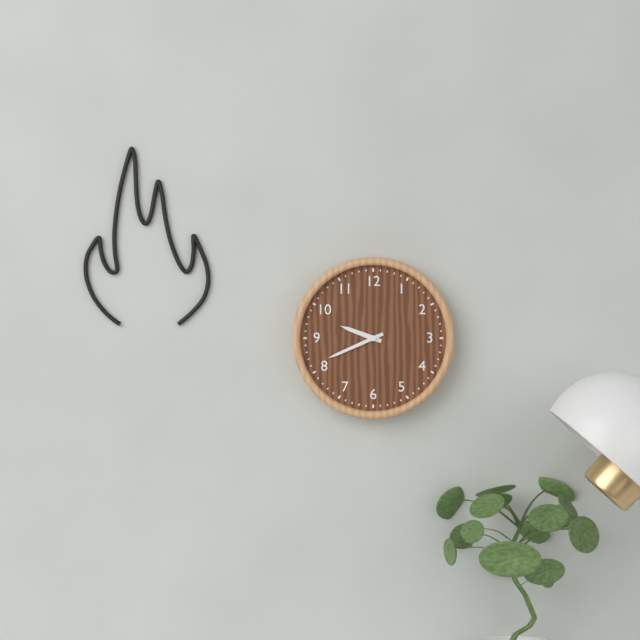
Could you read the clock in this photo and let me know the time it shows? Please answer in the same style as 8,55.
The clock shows 9,41
